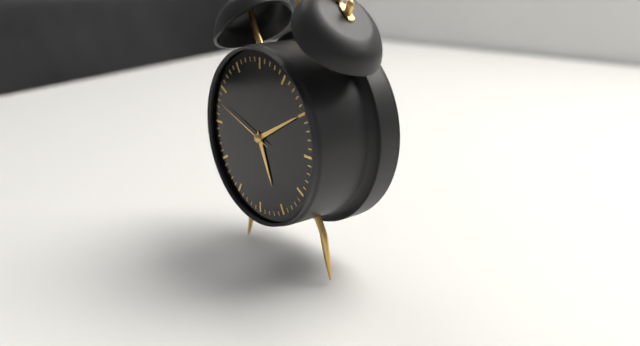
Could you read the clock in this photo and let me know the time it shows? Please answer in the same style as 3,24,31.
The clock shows 5,10,48
